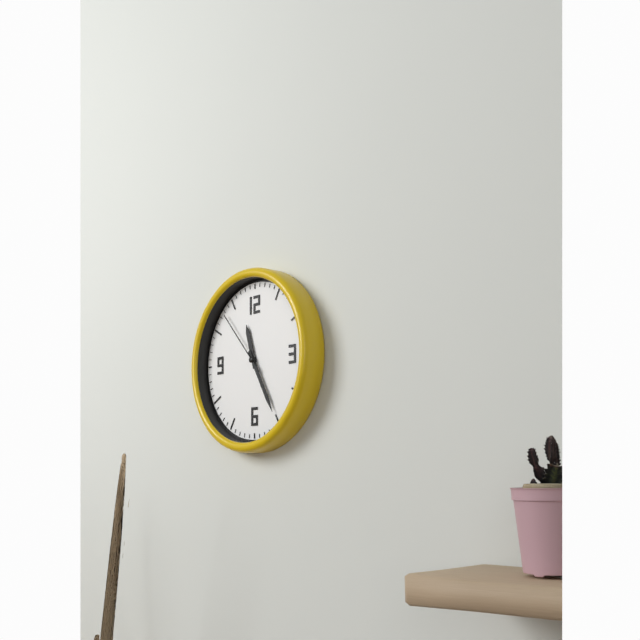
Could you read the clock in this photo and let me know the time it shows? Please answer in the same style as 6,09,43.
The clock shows 11,25,53
